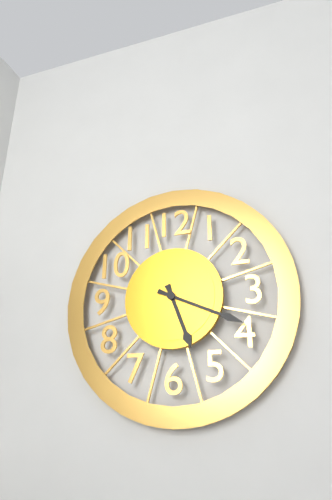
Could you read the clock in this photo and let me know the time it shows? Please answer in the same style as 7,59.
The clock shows 5,19
